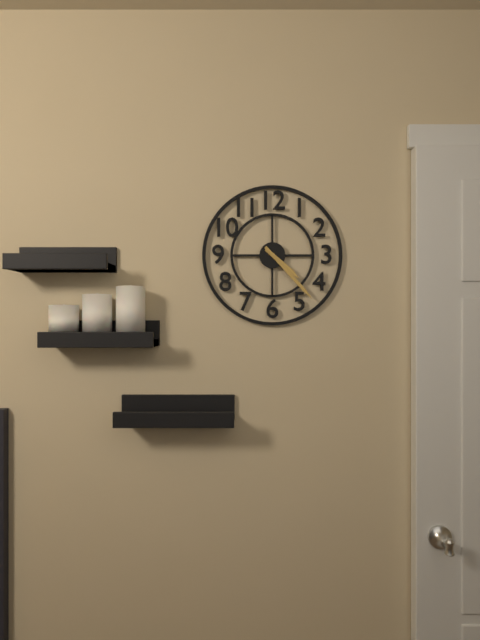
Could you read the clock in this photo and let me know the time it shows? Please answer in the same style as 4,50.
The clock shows 4,23
